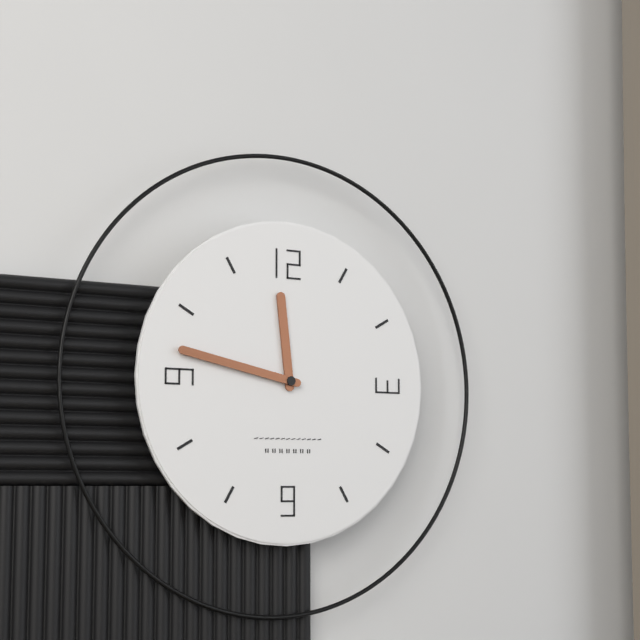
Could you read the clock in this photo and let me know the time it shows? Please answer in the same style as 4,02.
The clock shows 11,47
